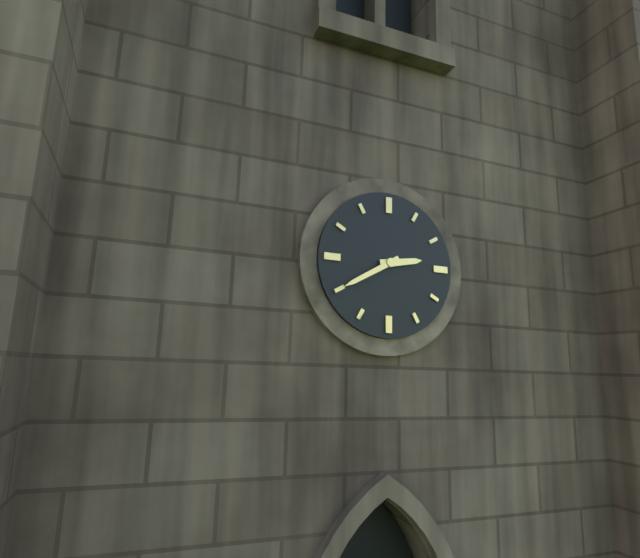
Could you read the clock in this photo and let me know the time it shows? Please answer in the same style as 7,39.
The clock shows 2,40
